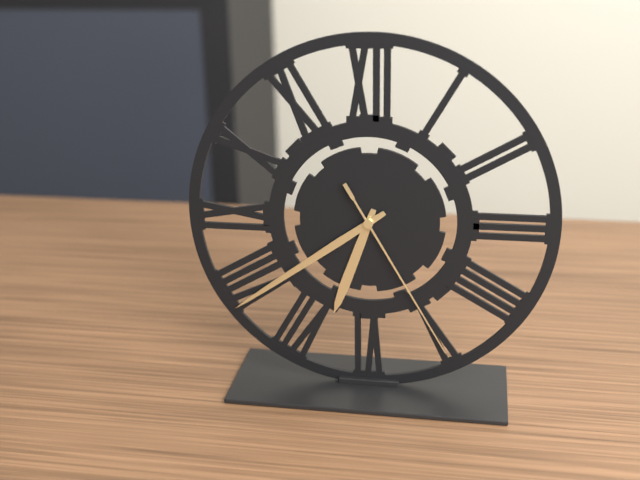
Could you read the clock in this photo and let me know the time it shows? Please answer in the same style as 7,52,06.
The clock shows 6,39,25
